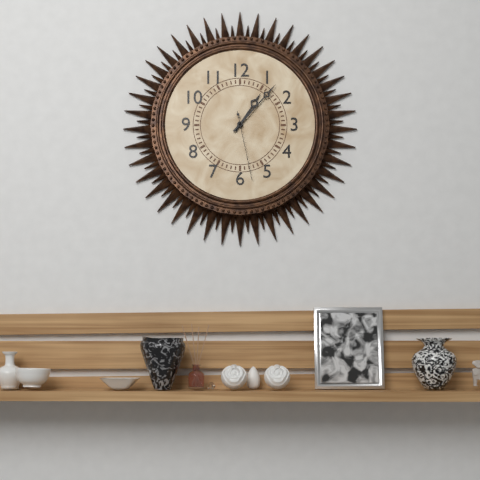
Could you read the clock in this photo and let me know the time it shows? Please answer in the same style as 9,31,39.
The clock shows 1,07,28
